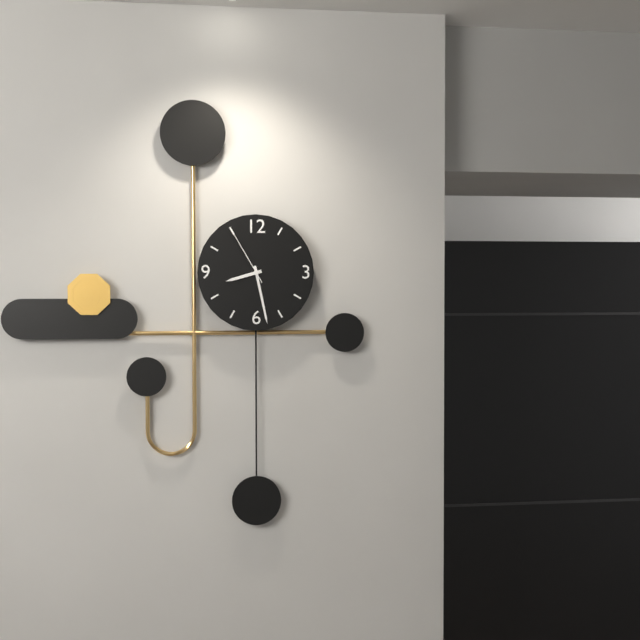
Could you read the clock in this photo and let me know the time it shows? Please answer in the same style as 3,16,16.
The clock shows 8,28,55
